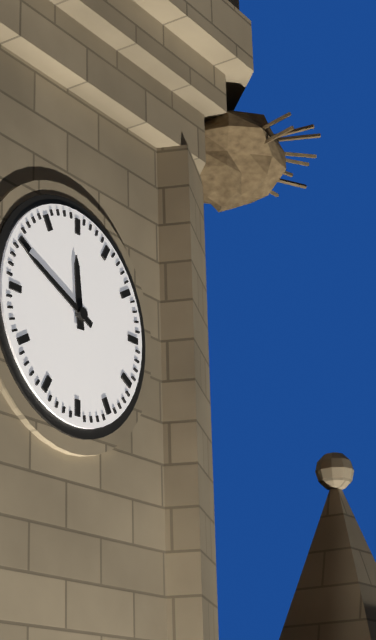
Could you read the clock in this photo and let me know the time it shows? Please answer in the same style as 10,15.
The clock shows 11,49
